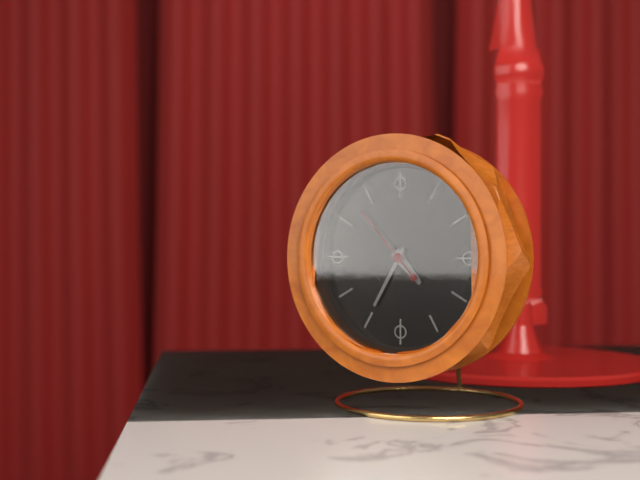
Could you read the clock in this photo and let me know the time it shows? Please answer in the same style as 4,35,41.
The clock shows 4,35,53
